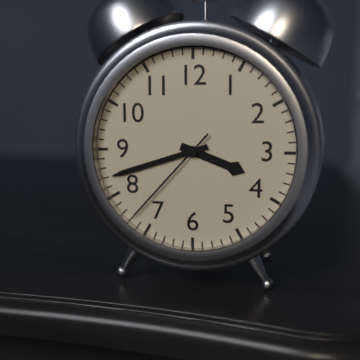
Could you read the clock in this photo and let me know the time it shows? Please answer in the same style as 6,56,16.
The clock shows 3,42,37
